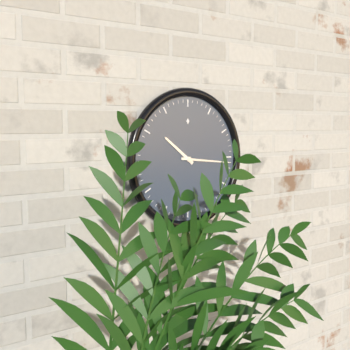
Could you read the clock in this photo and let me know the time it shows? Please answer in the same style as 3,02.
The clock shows 10,16
